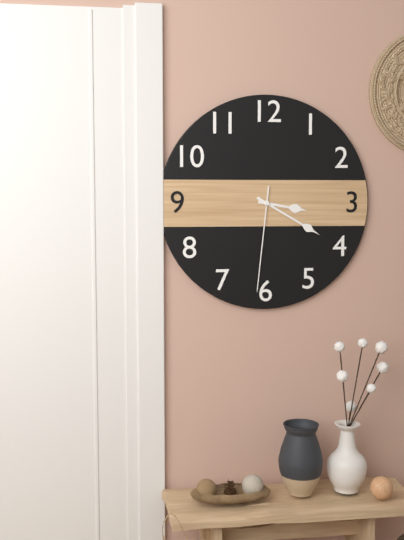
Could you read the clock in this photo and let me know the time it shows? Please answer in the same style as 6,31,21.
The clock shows 3,20,31
